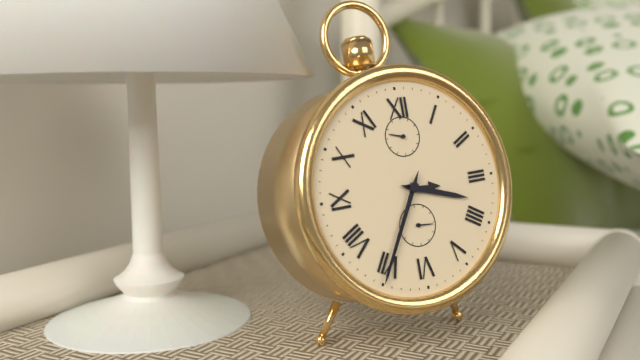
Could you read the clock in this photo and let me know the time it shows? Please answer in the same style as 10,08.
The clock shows 3,35
